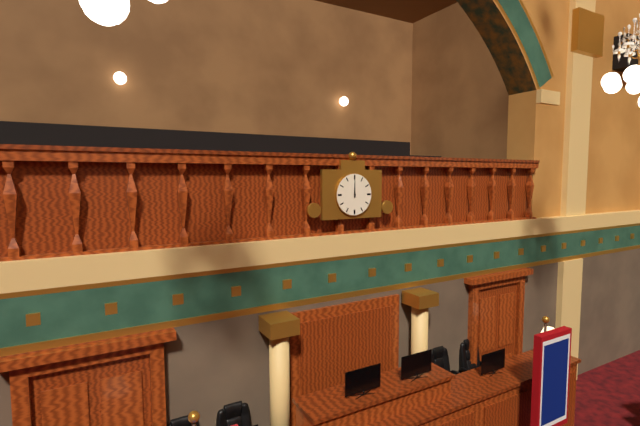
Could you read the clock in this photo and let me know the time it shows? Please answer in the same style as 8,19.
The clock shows 12,00
